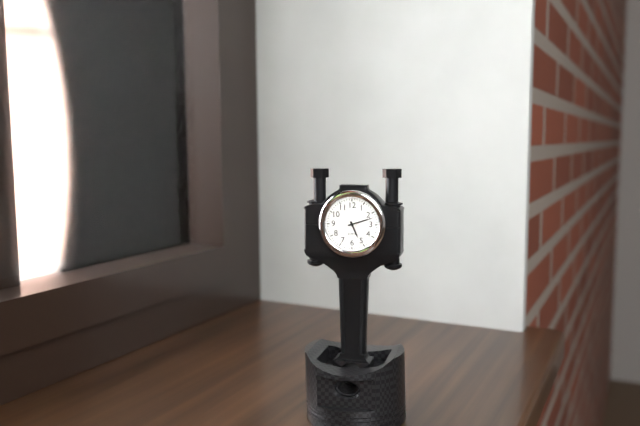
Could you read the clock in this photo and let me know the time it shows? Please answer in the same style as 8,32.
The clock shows 5,12
